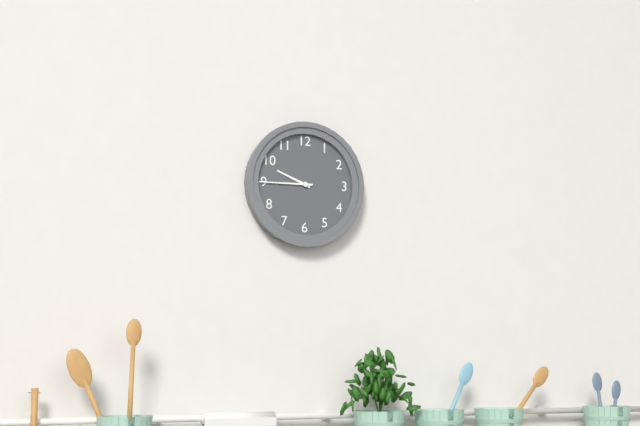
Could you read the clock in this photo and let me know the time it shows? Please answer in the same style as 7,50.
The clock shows 9,45
